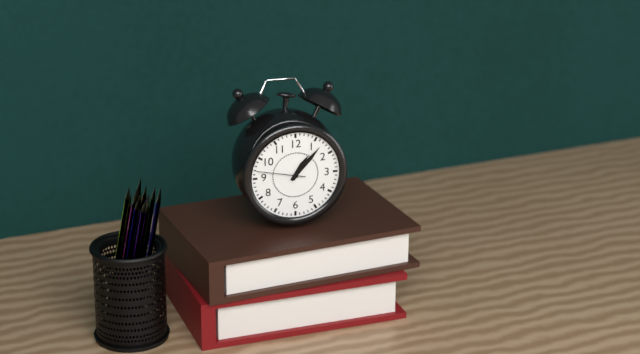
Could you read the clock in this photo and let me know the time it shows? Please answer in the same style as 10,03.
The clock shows 1,07
